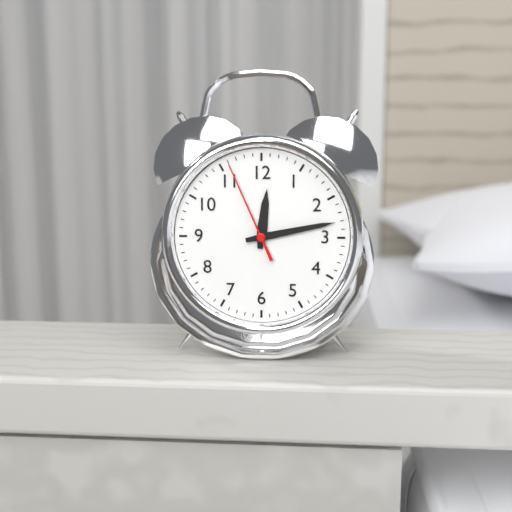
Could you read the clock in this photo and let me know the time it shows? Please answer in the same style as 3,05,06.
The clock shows 12,13,56
